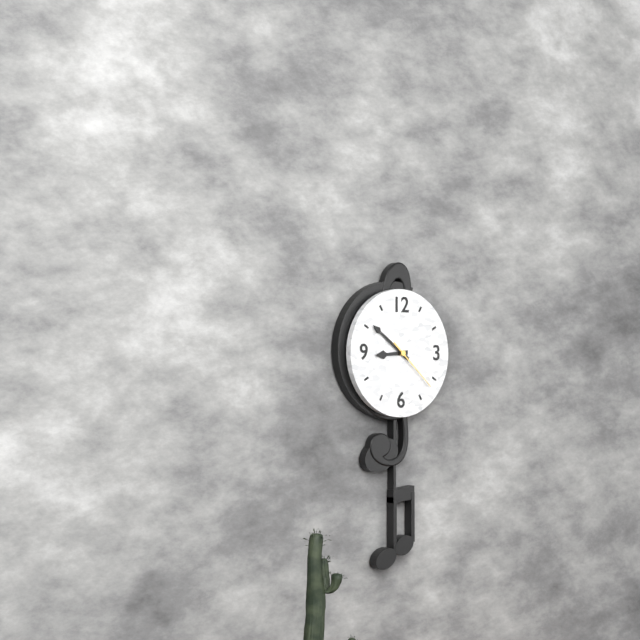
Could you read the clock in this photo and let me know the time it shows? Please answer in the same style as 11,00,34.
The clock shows 8,51,22
